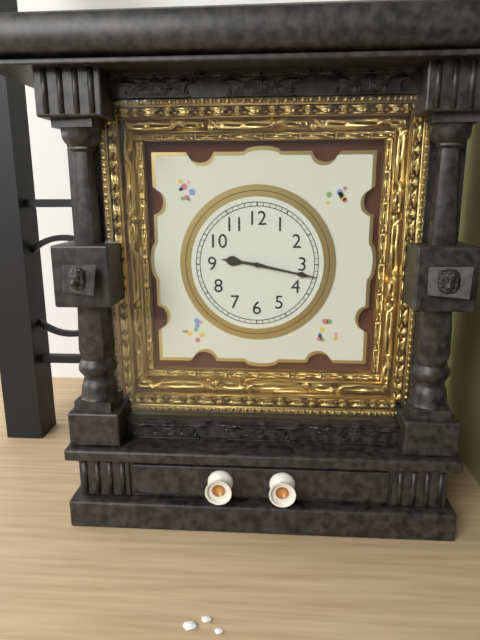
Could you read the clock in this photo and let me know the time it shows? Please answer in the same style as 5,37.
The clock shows 9,17
